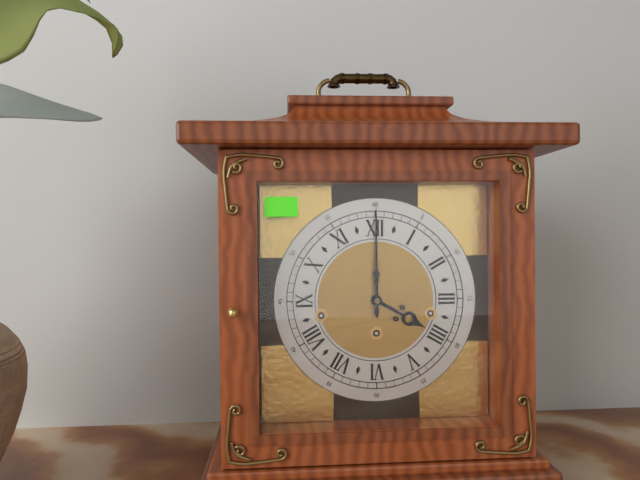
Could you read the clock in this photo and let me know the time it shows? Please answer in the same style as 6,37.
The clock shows 4,00
